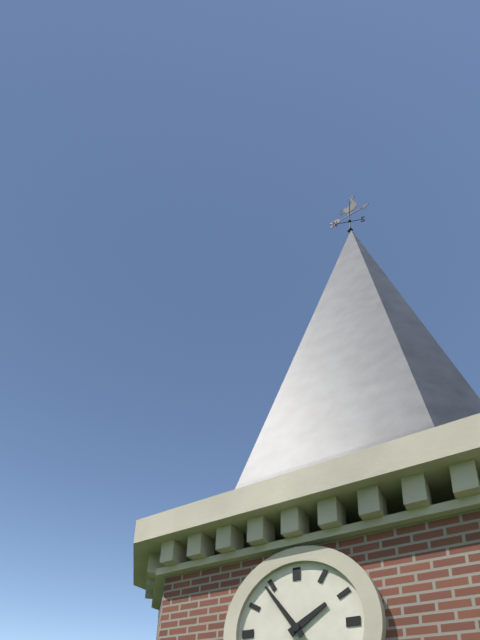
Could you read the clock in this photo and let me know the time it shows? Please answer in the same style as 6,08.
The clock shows 1,54
